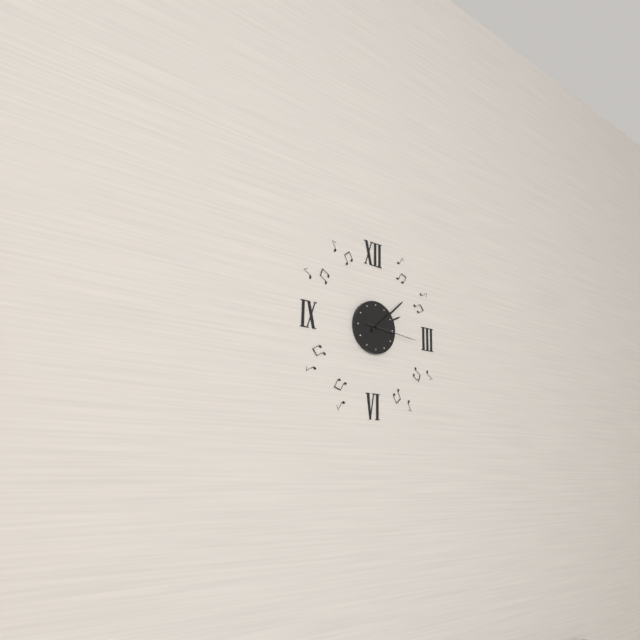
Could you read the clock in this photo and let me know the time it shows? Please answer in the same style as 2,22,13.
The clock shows 2,08,16
